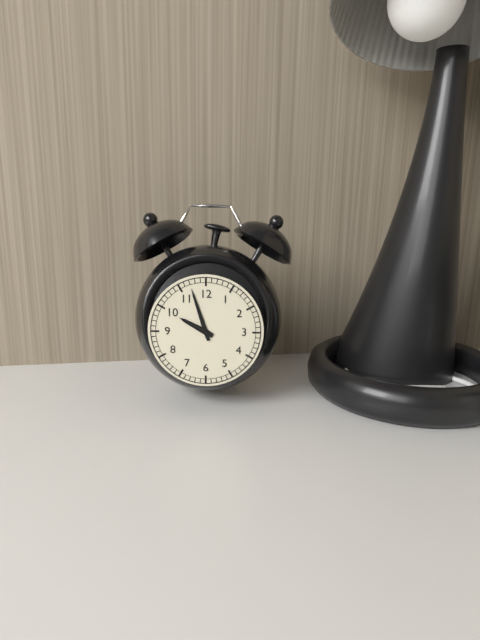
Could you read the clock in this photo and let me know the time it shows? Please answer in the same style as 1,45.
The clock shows 9,57
